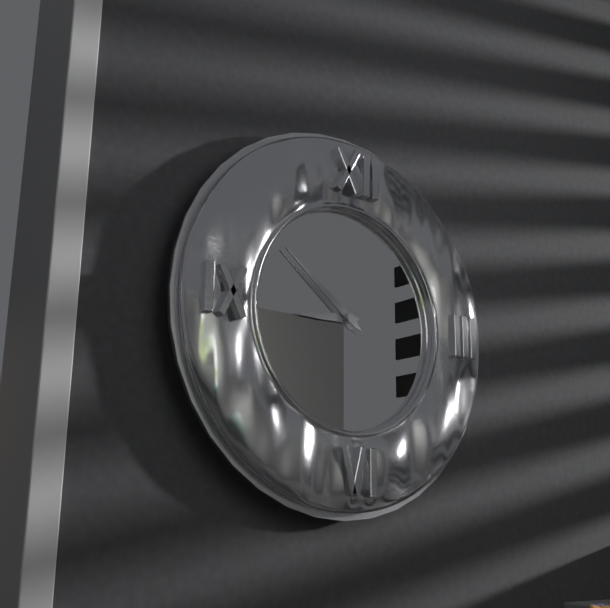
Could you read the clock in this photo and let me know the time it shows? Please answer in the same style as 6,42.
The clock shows 8,51
